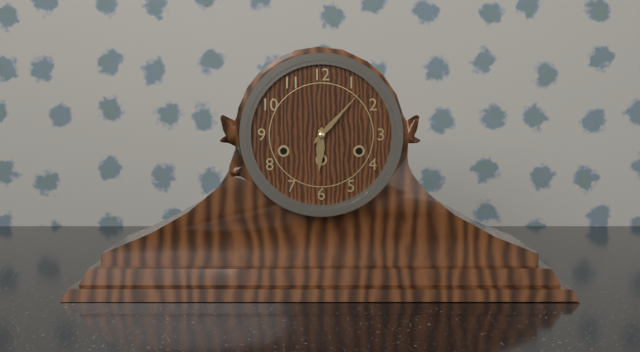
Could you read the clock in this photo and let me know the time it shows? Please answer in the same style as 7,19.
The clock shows 6,07
